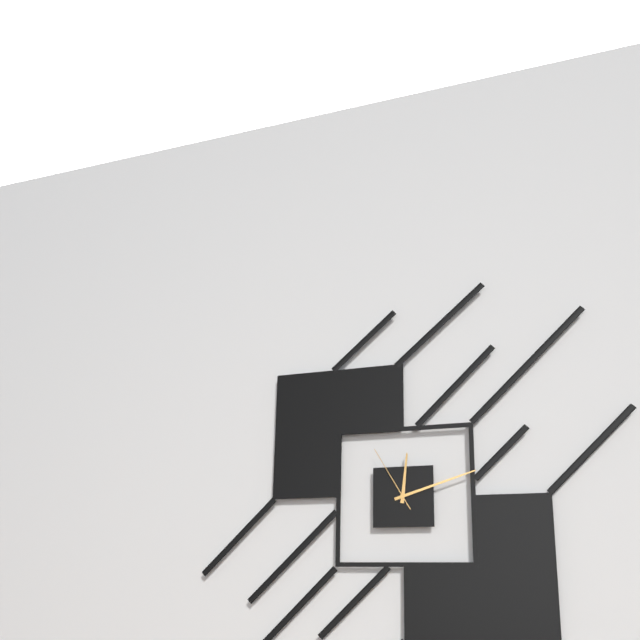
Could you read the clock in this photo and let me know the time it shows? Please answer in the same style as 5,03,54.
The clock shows 12,12,55
